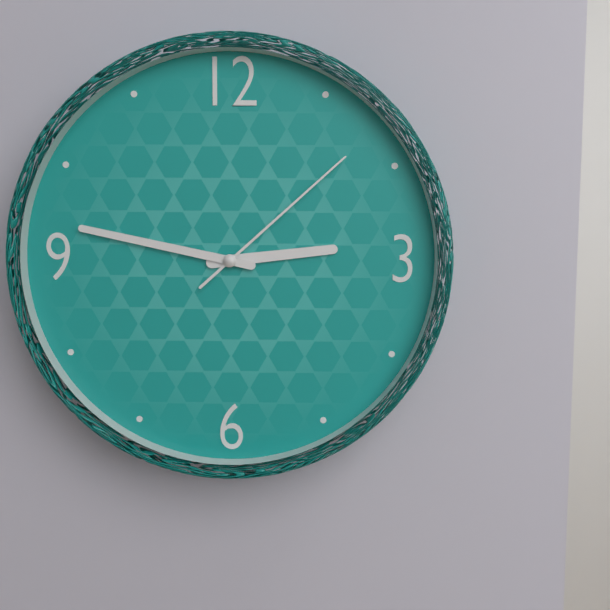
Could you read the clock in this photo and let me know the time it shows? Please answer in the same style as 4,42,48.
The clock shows 2,47,08
